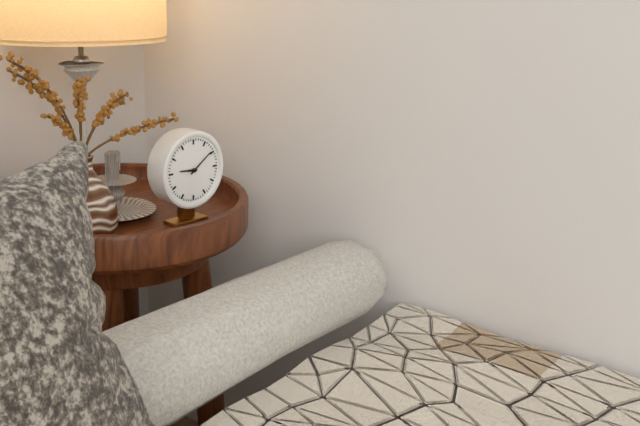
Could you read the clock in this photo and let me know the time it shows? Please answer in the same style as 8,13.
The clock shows 9,09
